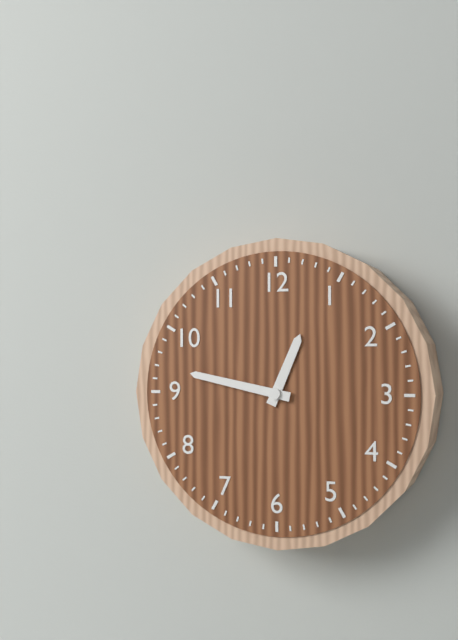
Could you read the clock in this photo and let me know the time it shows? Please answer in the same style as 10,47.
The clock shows 12,47
